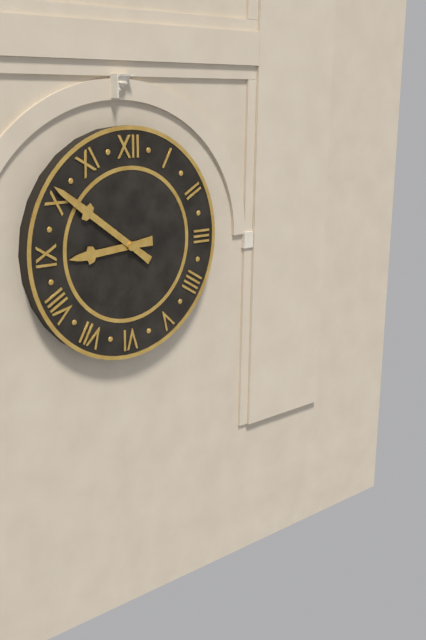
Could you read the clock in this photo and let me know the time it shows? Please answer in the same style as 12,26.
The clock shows 8,51
